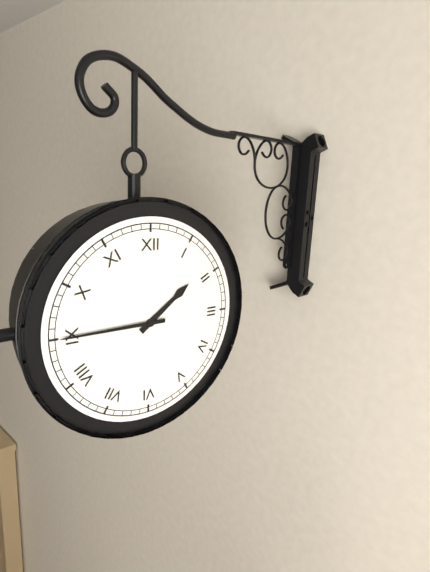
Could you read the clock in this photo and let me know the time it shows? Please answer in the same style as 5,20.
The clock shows 1,45
